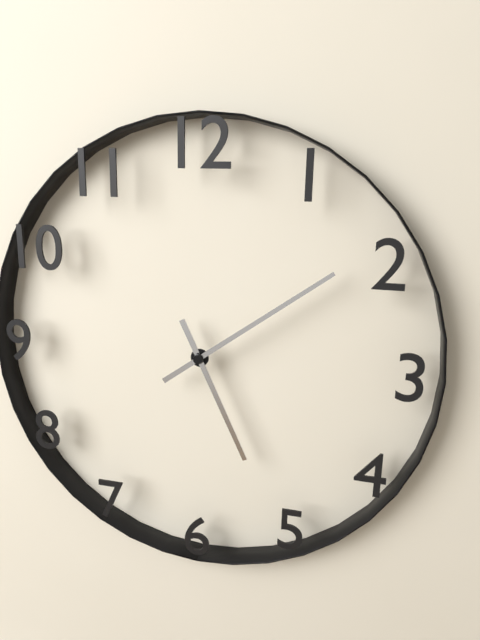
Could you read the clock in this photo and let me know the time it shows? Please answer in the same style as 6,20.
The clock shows 5,09
